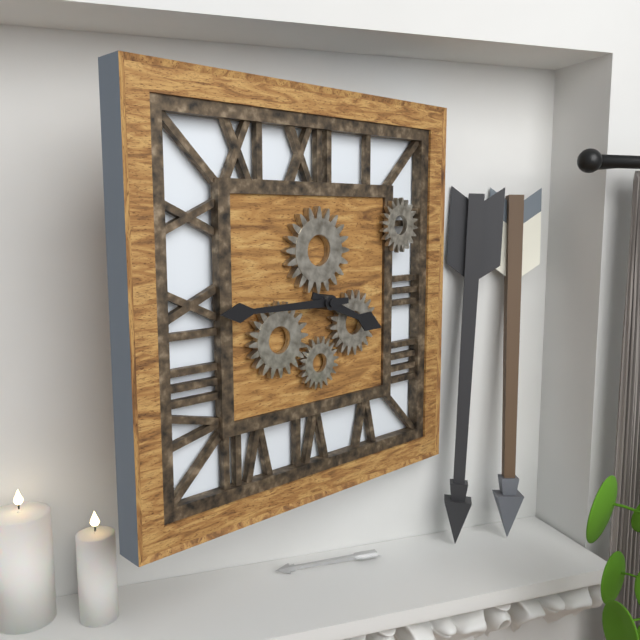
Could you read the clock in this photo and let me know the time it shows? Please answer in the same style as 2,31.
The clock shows 3,45
